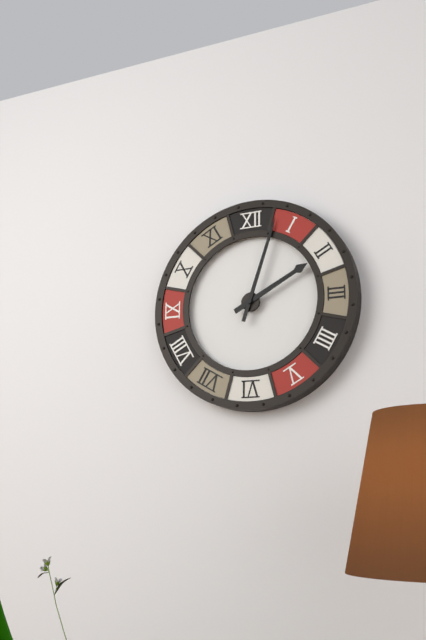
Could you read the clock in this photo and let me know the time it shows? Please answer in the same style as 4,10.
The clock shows 2,03
